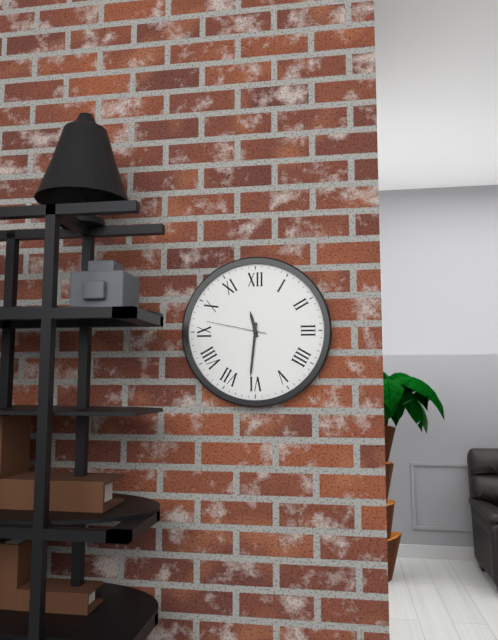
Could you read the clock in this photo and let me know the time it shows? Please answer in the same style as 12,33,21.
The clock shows 11,31,47
